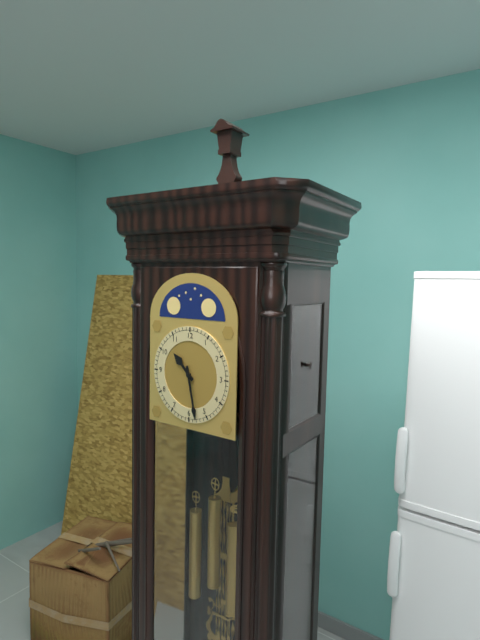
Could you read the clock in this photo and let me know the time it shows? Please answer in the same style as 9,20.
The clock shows 10,28
